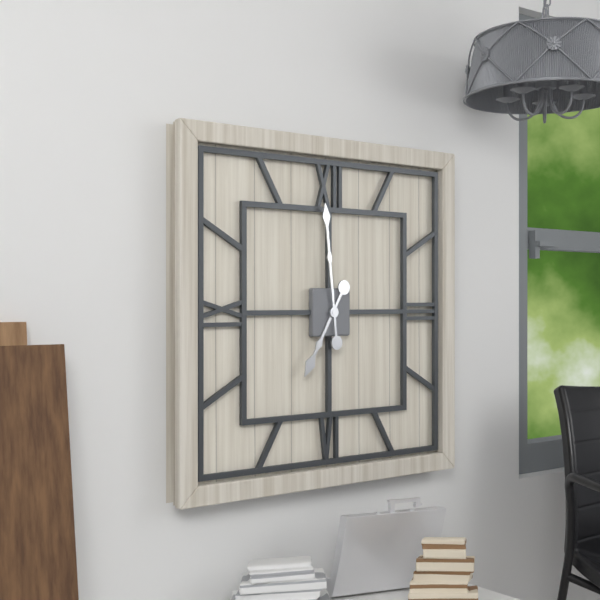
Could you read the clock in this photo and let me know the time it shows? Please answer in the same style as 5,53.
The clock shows 6,59
